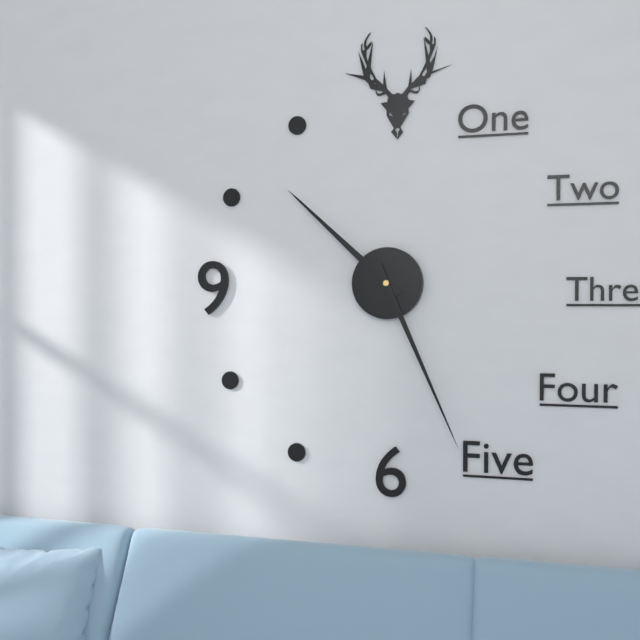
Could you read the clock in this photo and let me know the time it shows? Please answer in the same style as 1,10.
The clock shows 10,26
